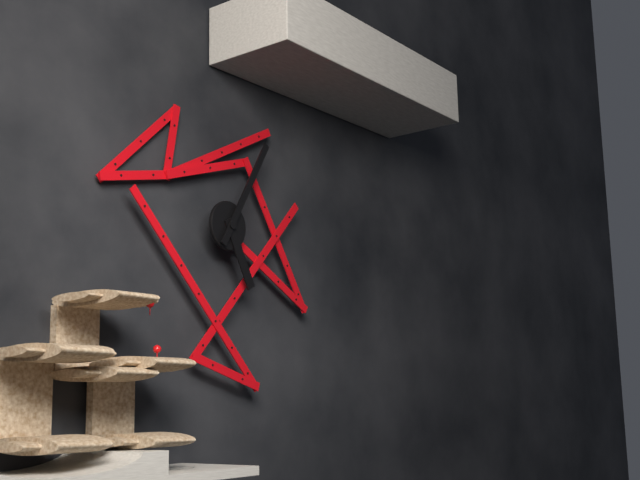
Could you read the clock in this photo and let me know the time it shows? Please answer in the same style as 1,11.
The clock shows 5,05
